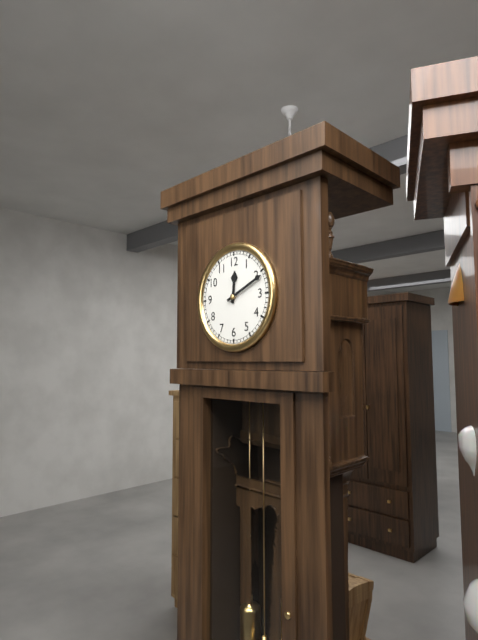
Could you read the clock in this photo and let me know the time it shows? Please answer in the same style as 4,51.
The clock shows 12,11
